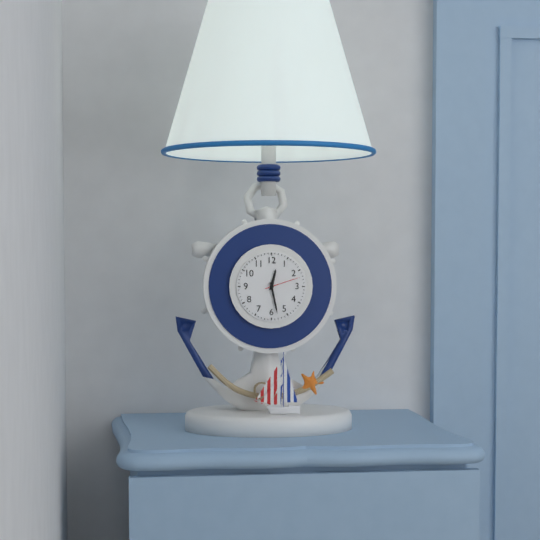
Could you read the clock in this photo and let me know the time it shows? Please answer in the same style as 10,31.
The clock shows 12,28
